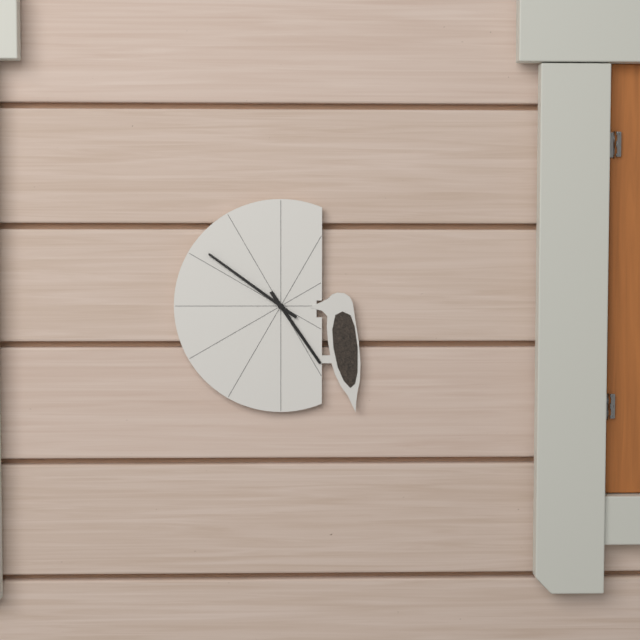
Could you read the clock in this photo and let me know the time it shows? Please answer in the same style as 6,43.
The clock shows 4,51
